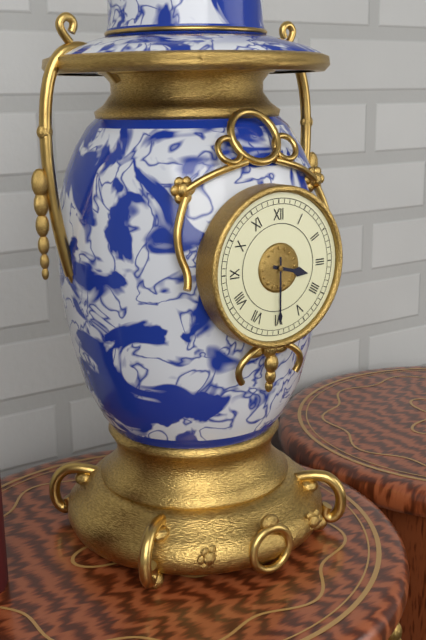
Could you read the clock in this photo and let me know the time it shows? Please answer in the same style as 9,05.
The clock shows 3,30
